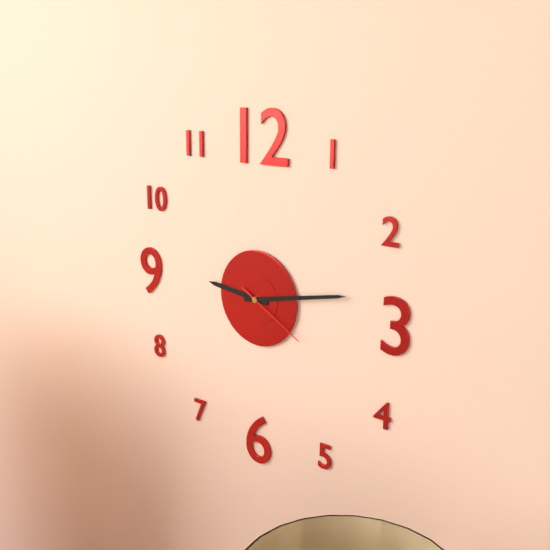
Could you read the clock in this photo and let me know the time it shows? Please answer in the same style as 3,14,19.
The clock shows 9,13,20
